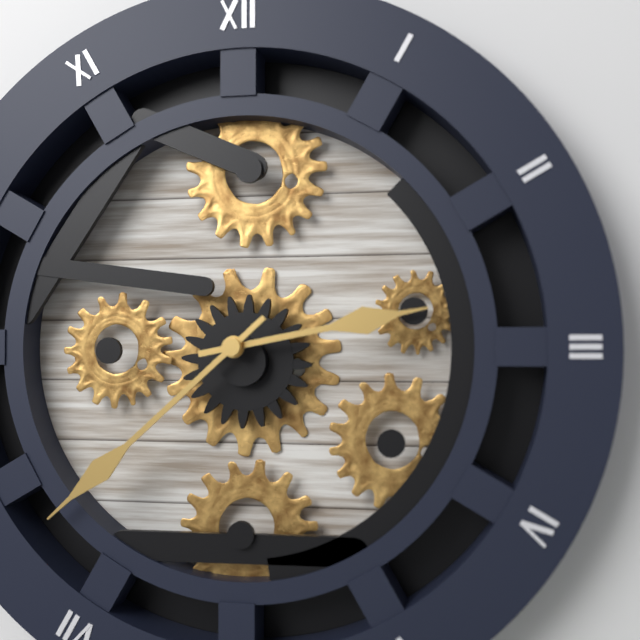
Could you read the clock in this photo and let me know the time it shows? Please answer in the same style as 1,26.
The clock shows 2,38
